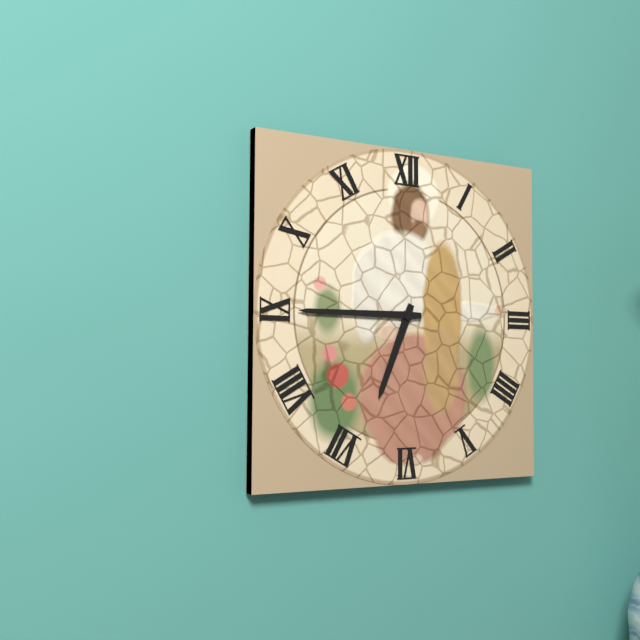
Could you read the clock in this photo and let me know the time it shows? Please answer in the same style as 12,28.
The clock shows 6,45
